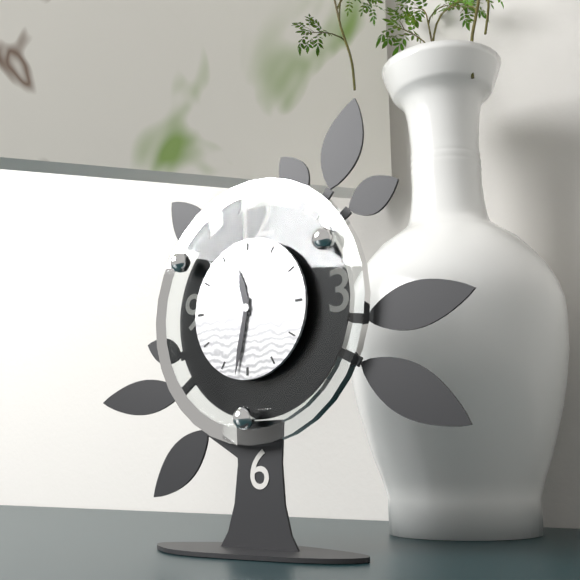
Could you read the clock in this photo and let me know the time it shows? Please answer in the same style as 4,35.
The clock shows 11,32
